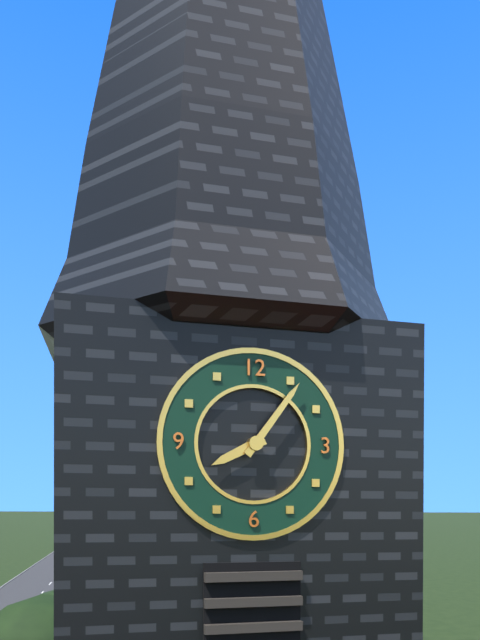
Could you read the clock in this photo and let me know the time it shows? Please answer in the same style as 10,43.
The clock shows 8,06
